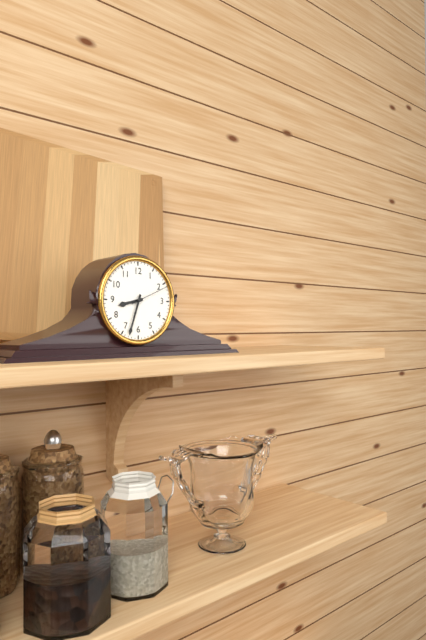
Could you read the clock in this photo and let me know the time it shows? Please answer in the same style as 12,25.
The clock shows 8,33
